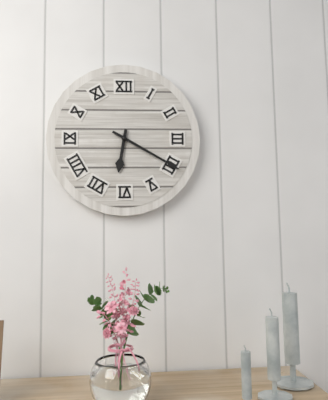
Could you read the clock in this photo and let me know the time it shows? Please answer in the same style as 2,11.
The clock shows 6,20
